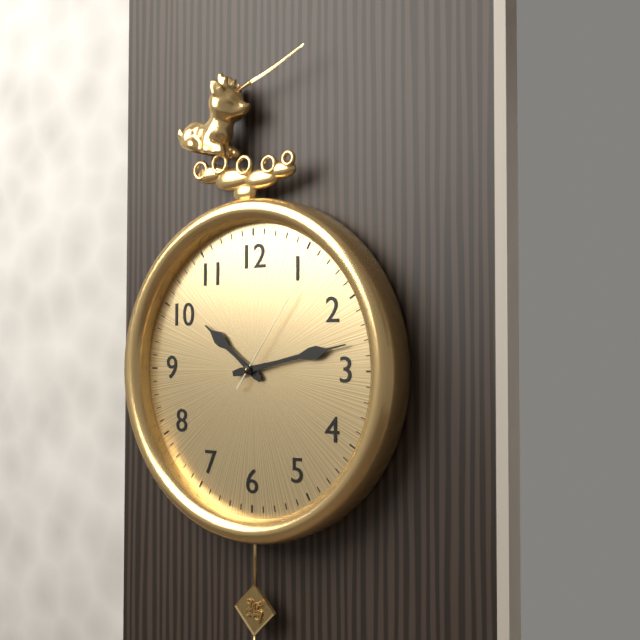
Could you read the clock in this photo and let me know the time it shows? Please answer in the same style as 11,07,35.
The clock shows 10,13,06
